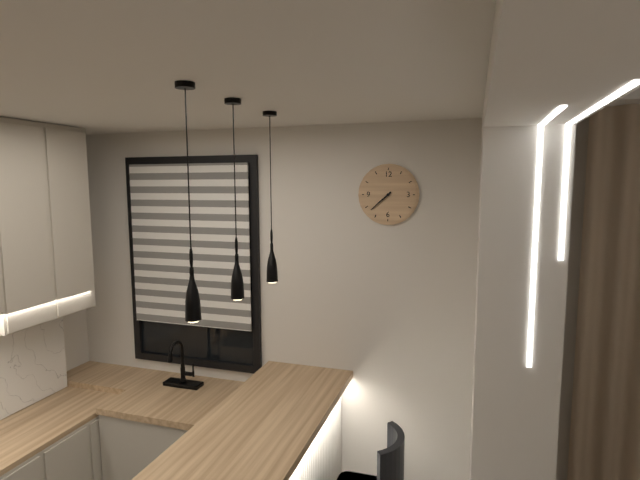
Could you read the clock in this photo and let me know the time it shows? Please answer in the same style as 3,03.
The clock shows 7,38
